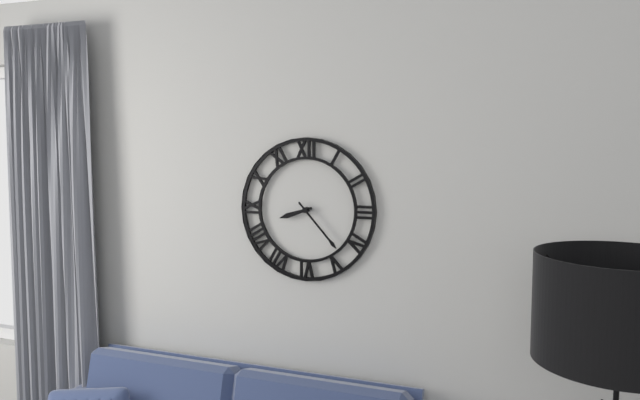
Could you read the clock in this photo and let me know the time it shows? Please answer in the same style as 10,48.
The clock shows 8,23
